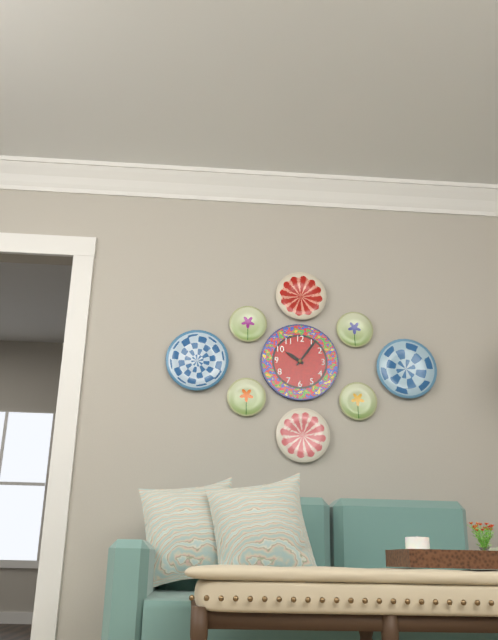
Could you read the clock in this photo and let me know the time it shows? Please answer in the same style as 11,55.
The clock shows 10,06
